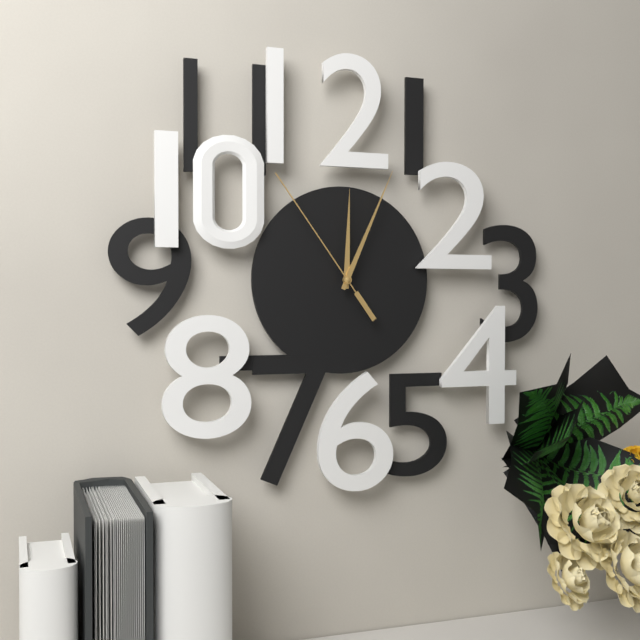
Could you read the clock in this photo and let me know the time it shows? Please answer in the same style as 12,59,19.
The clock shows 12,04,54
